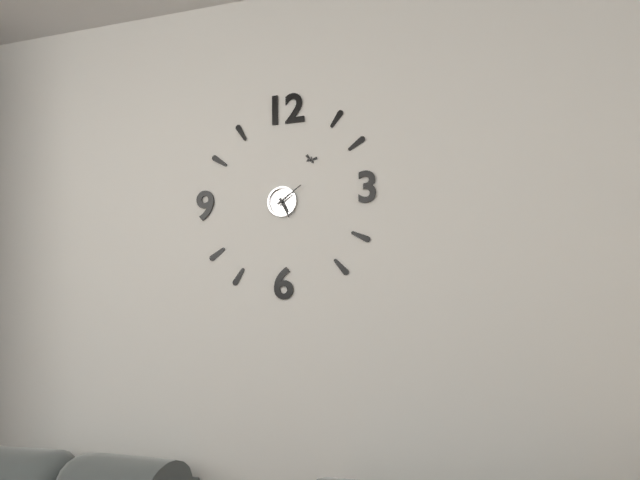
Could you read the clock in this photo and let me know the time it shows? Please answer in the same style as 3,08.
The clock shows 5,09
